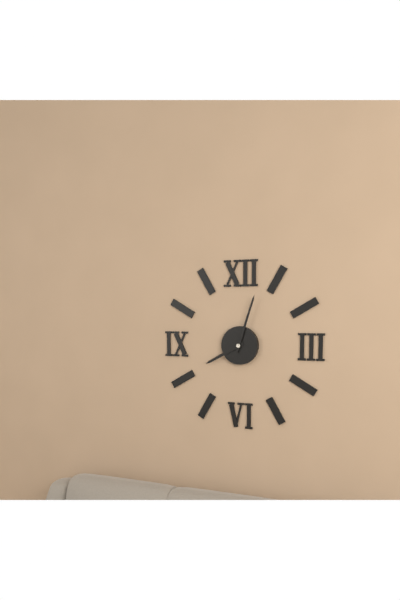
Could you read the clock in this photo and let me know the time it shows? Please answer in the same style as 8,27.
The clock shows 8,03
